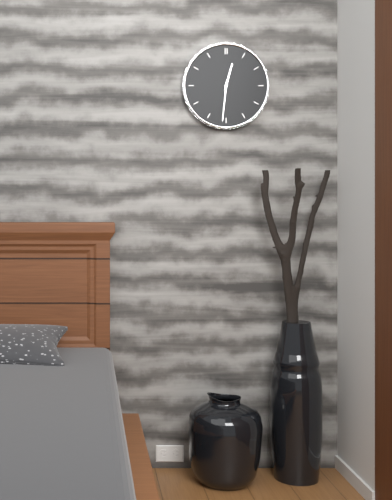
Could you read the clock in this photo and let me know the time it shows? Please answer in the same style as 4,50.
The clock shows 12,31
